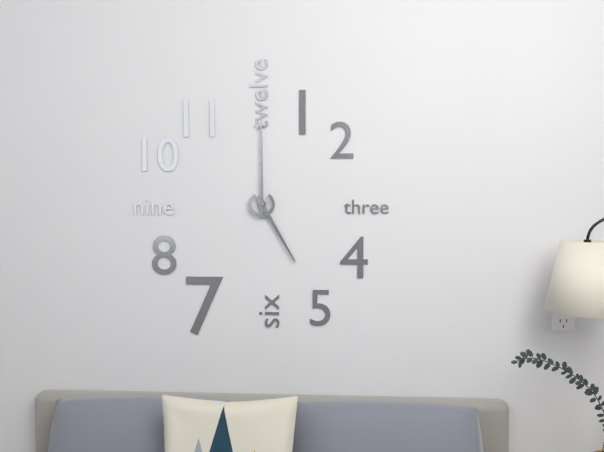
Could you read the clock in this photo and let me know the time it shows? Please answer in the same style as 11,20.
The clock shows 5,00
